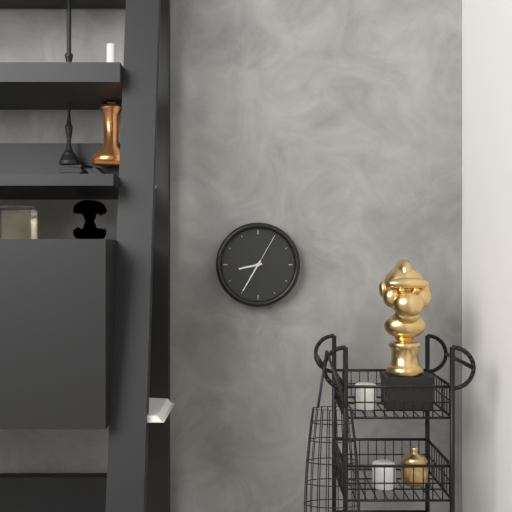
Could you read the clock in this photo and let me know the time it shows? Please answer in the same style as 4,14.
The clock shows 8,35
